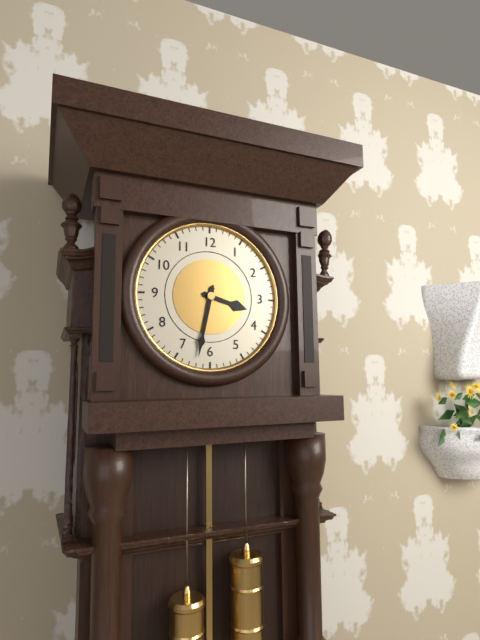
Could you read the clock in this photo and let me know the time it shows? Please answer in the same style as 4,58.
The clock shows 3,32
